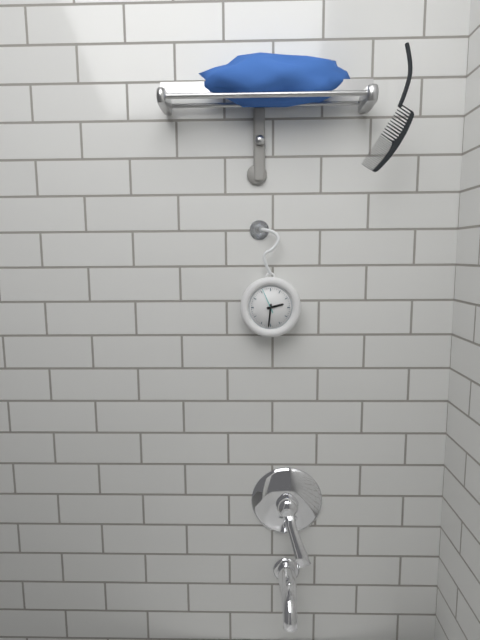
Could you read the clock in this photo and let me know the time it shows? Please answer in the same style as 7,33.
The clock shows 2,31
